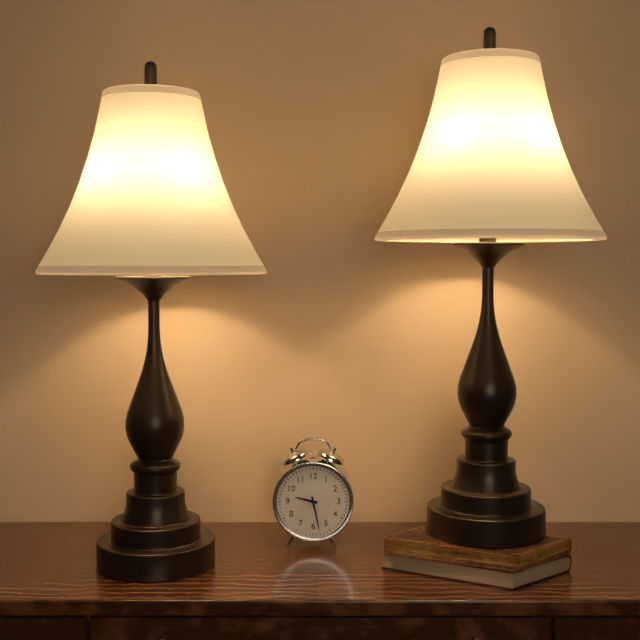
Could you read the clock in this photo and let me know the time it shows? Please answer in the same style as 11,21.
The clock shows 9,28
